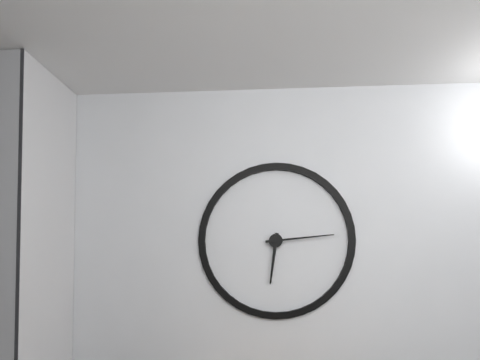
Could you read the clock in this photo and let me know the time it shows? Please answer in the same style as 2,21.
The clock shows 6,14
